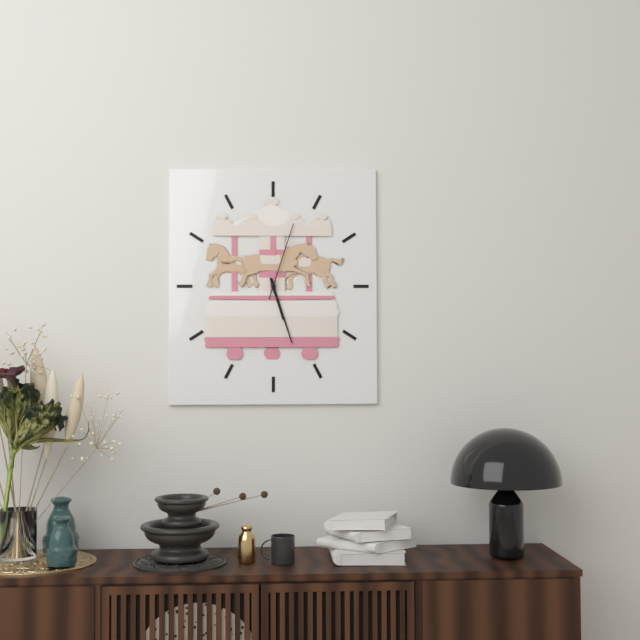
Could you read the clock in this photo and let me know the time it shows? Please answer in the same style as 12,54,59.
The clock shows 5,27,03
